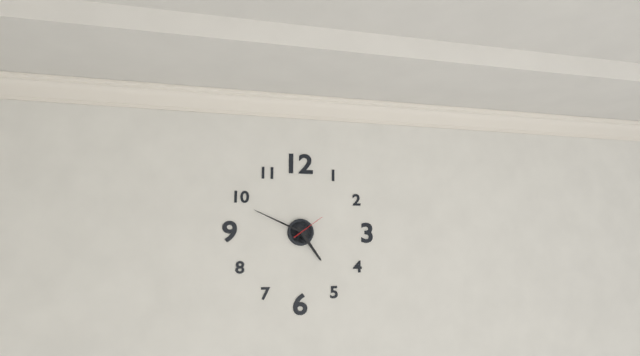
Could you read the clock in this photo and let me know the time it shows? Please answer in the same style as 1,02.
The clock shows 4,49
